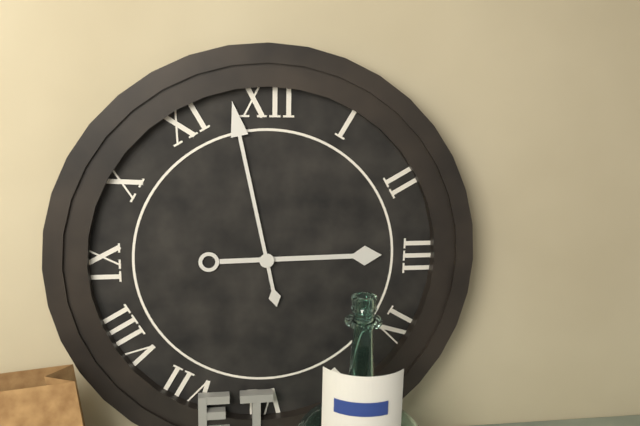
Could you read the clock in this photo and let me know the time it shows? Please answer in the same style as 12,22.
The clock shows 2,58
